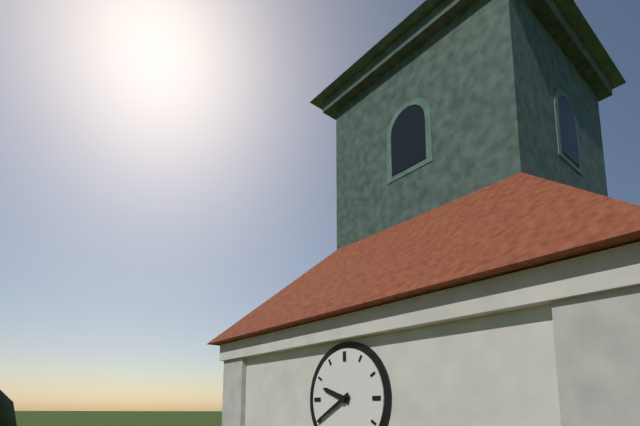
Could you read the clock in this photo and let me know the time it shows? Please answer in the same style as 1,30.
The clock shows 9,40
